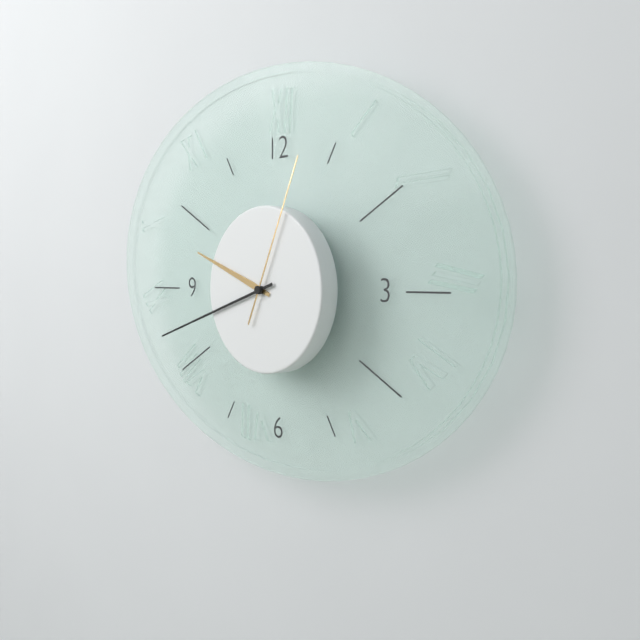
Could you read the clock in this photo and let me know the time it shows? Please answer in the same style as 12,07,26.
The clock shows 9,42,04
